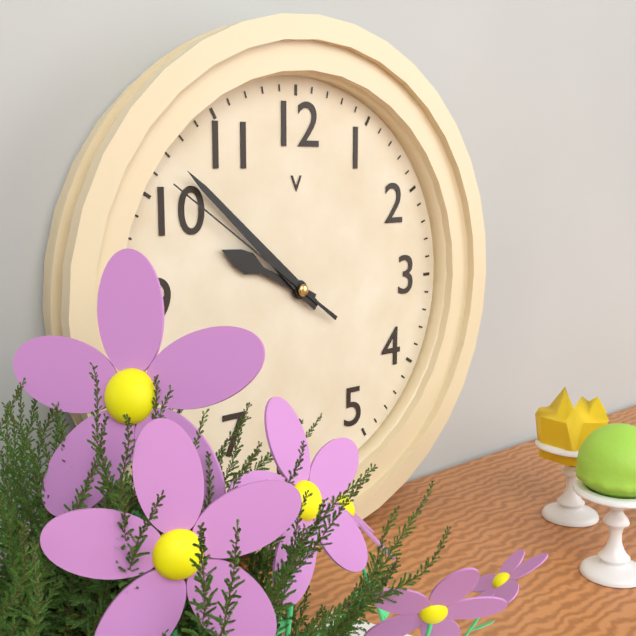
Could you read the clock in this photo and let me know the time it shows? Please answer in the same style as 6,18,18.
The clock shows 9,52,51
